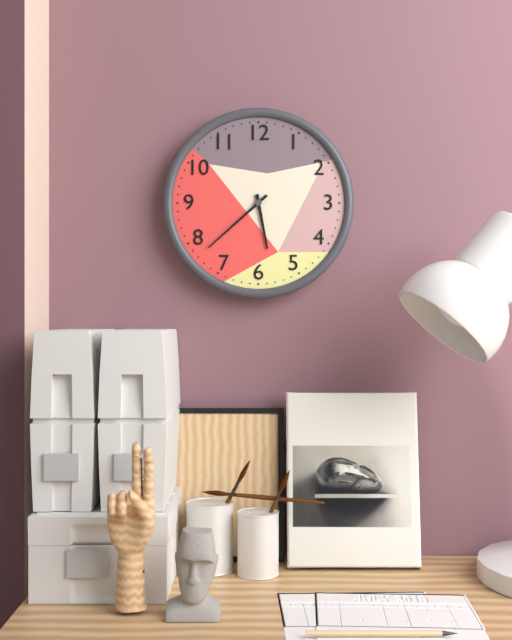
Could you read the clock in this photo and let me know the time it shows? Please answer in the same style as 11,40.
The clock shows 5,38
